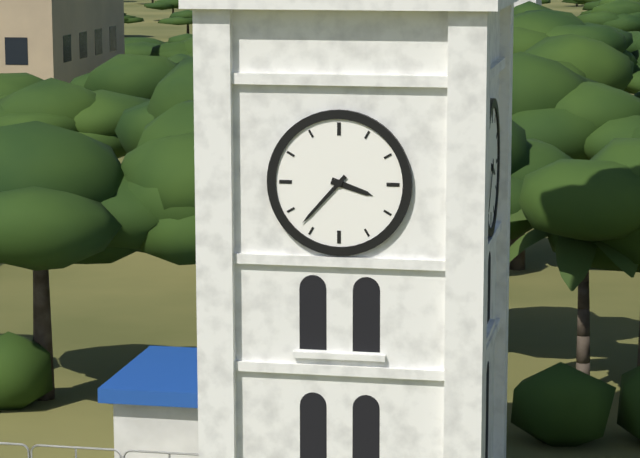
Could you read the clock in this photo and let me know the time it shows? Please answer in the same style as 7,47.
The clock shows 3,37
